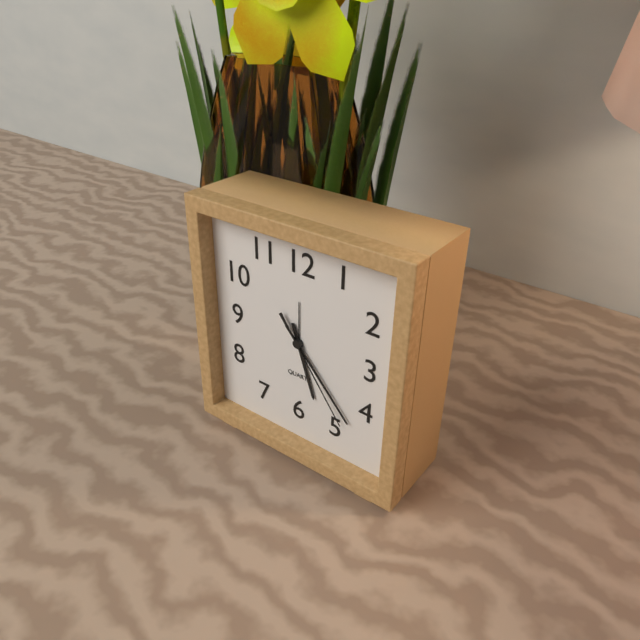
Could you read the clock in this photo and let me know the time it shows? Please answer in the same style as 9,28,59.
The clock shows 5,23,24
